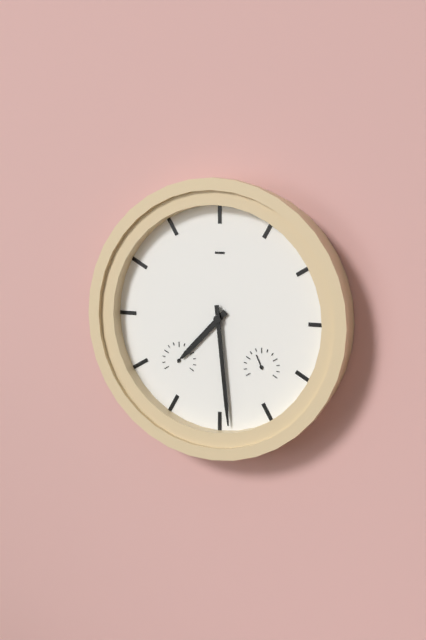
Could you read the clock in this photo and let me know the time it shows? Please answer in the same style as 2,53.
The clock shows 7,29
